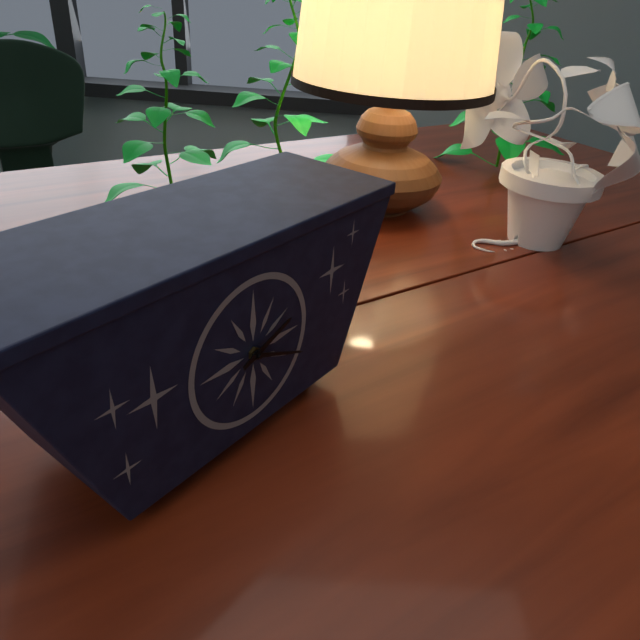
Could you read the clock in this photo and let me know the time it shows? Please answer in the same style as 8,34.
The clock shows 2,19
